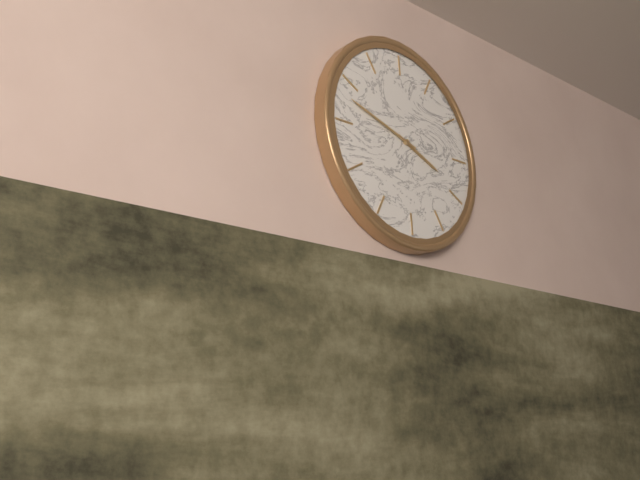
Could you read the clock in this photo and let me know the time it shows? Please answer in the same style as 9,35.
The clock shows 3,48
